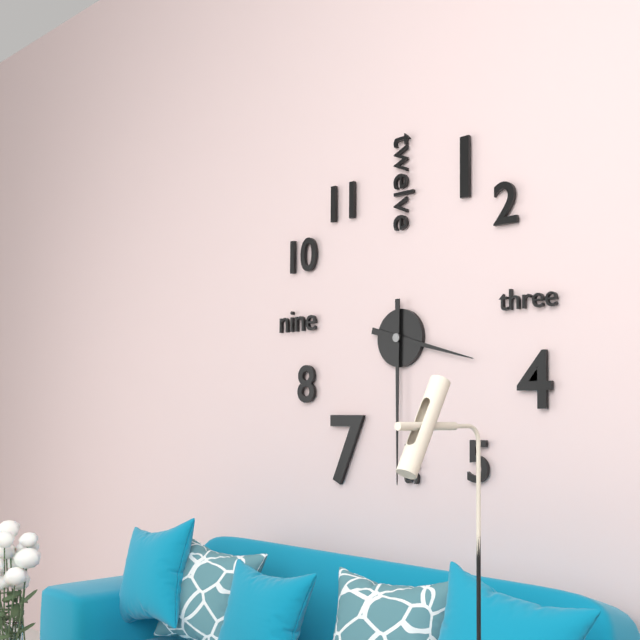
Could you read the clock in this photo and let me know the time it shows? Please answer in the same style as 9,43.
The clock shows 3,30
